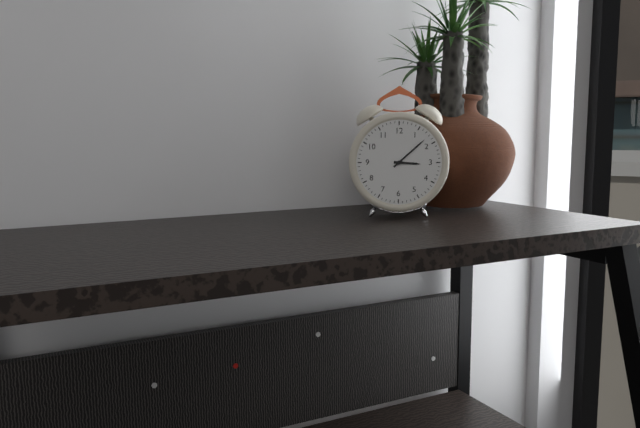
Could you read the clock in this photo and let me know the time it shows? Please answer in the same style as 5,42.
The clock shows 3,08
